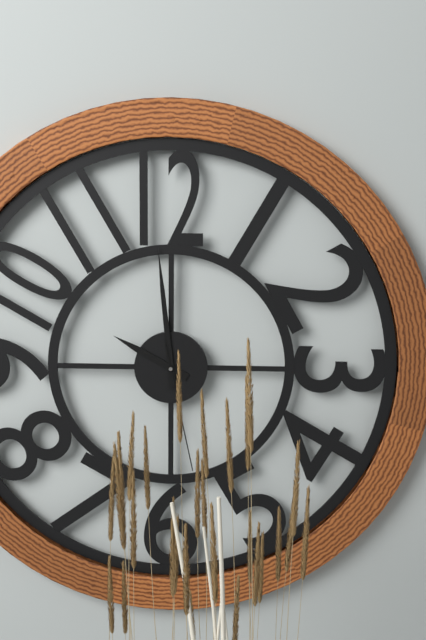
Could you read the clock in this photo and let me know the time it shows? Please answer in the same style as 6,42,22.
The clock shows 9,59,28
